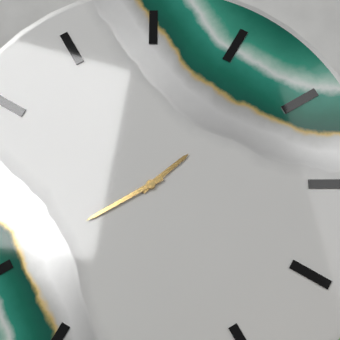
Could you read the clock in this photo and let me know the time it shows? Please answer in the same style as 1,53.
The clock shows 1,40
